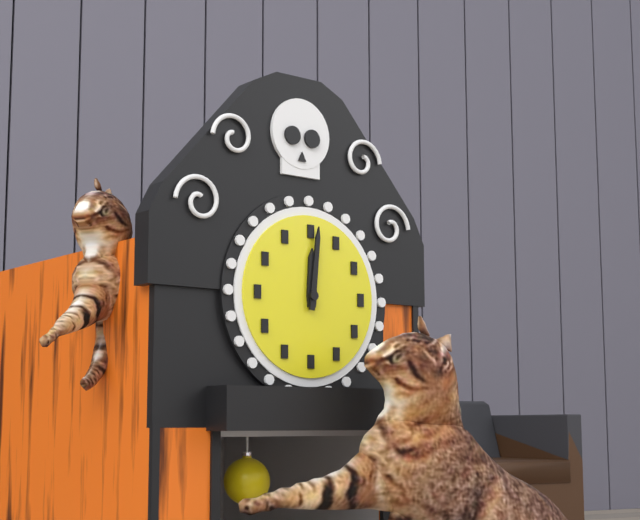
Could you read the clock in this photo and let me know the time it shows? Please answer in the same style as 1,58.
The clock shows 12,01
